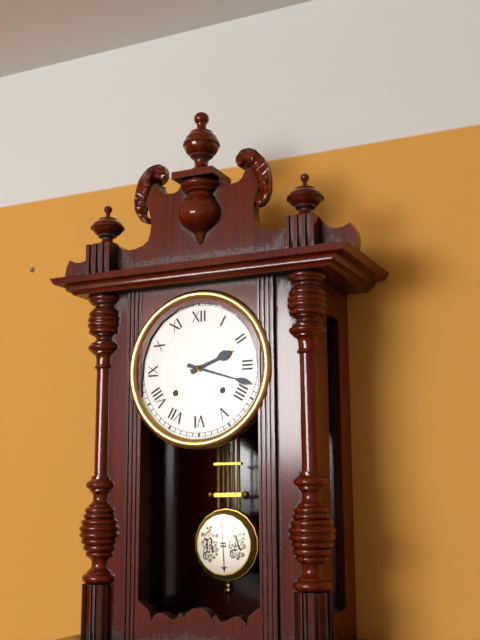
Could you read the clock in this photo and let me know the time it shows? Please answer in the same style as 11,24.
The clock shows 2,18
